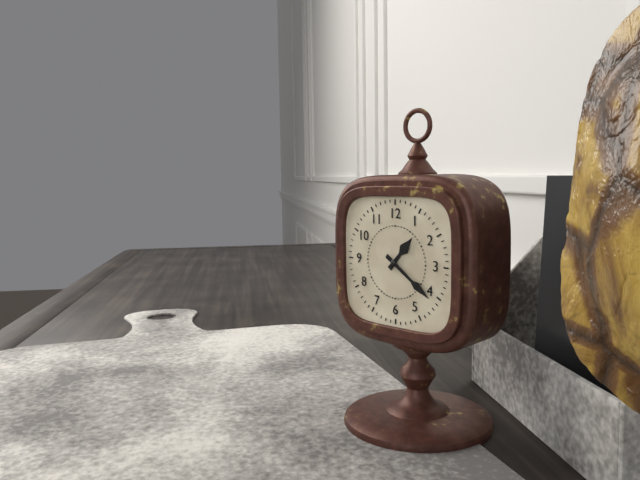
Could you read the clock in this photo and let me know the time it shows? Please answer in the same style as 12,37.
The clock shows 1,21
